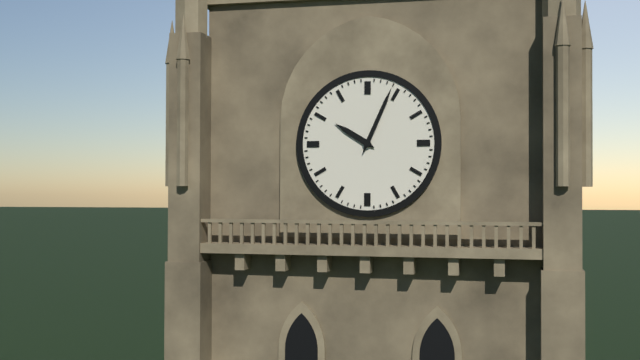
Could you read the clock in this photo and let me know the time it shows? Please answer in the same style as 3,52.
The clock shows 10,04
